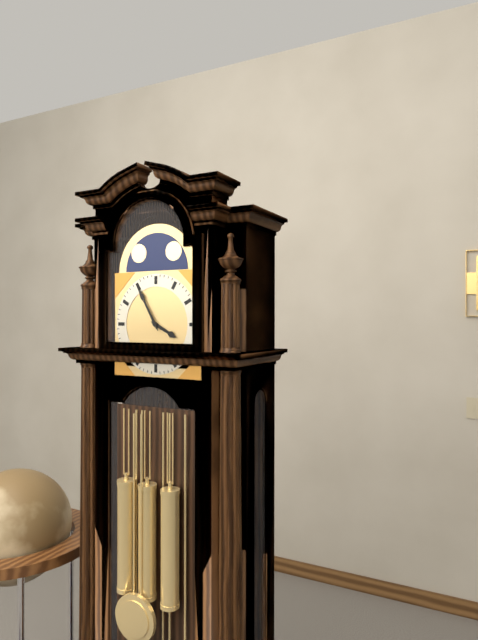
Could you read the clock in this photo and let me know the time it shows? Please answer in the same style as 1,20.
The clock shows 3,55
